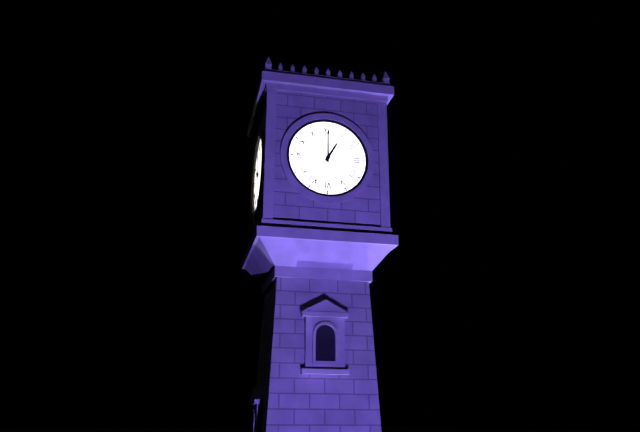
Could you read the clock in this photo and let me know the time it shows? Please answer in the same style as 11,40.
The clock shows 1,00
